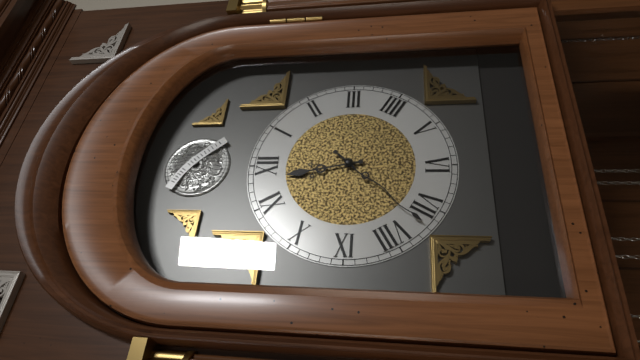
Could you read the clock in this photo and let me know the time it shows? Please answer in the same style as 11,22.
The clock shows 11,37
